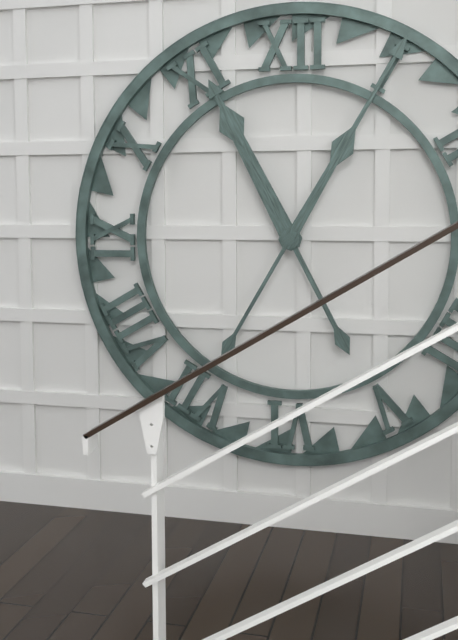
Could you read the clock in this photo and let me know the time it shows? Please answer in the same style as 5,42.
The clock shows 11,05
